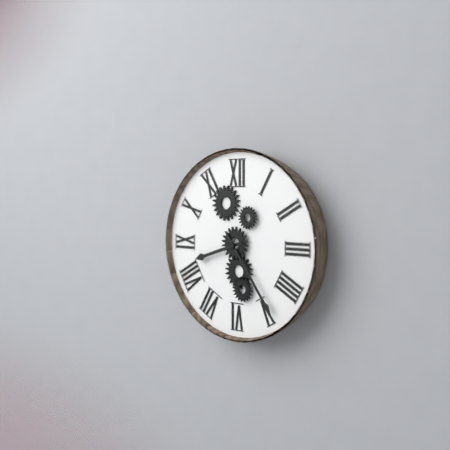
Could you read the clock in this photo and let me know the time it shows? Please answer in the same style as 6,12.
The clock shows 8,24
